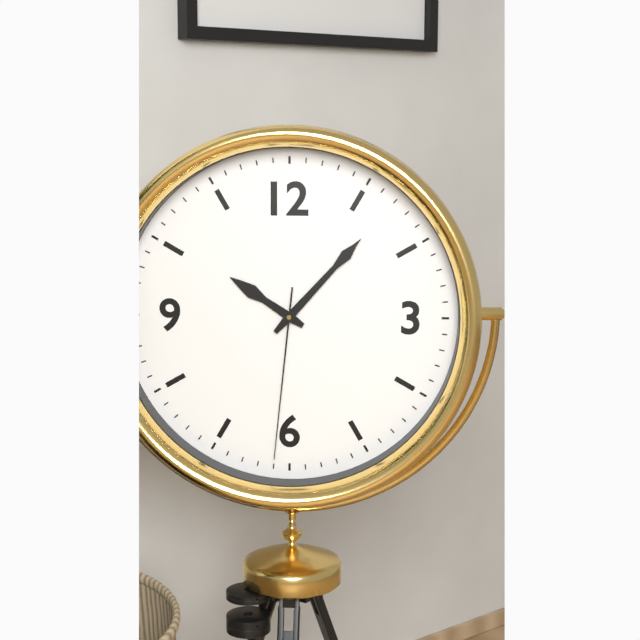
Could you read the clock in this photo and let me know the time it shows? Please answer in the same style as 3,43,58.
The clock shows 10,07,31
